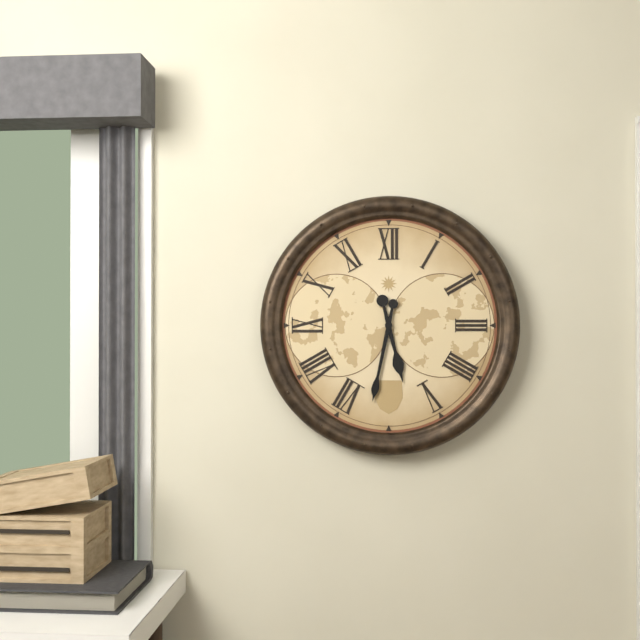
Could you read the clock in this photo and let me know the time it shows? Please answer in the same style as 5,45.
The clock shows 5,32
